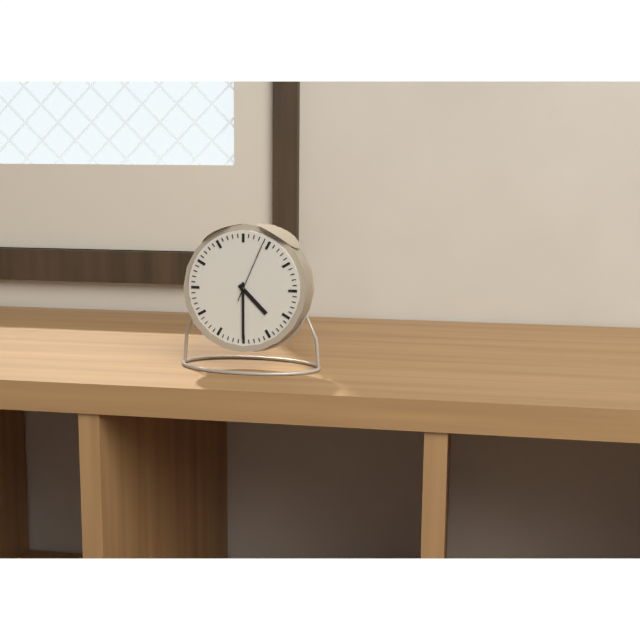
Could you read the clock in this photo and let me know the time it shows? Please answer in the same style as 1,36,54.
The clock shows 4,30,04
